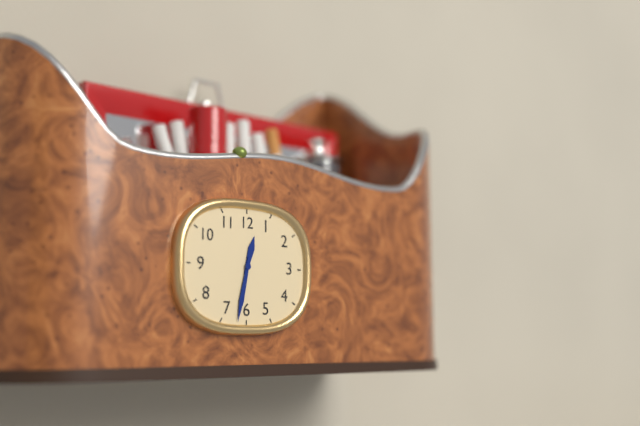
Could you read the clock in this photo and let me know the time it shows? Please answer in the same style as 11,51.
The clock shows 12,32
